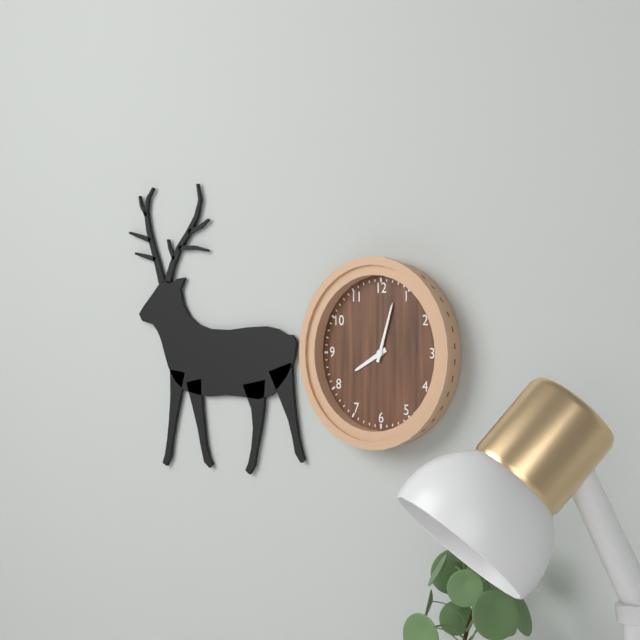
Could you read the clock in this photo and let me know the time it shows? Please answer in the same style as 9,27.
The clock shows 8,03
